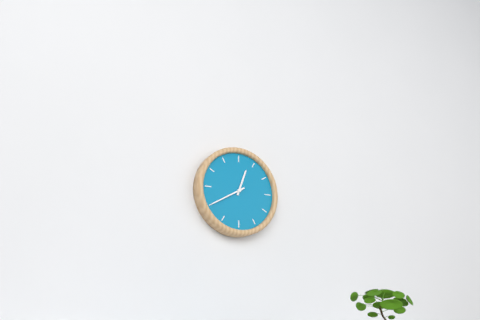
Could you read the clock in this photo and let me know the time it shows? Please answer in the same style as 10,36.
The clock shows 12,40
